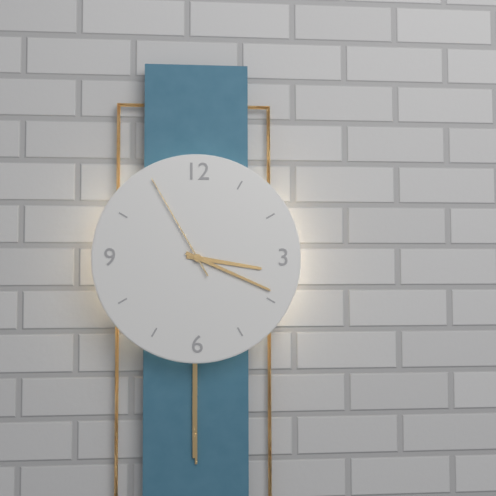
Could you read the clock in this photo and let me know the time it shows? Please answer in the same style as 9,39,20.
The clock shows 3,19,55
